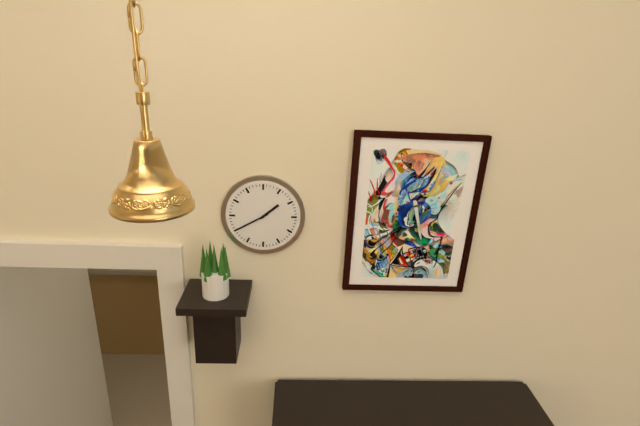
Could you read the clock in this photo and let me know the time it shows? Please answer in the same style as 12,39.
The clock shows 1,40
